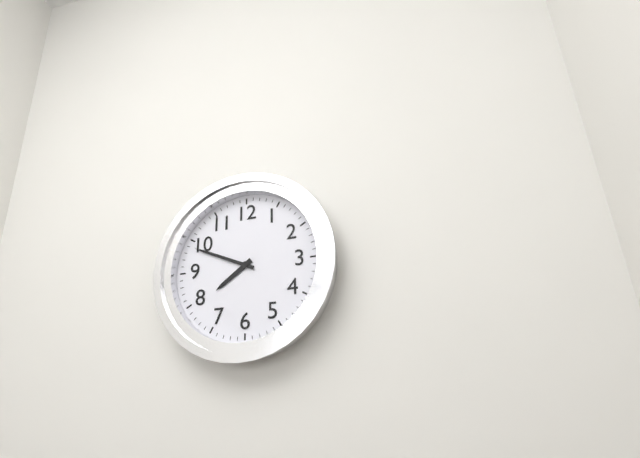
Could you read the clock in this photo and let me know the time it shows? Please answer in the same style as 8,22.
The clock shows 7,49
